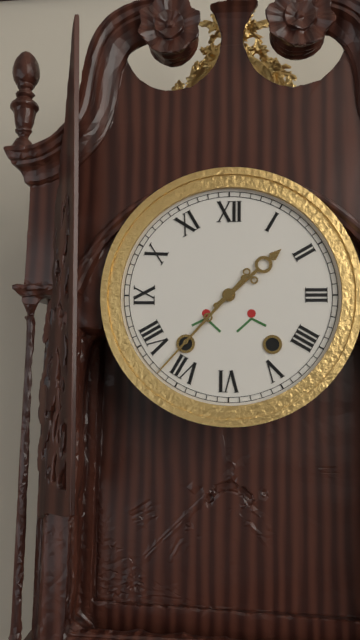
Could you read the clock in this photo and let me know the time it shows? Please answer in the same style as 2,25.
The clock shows 1,37
